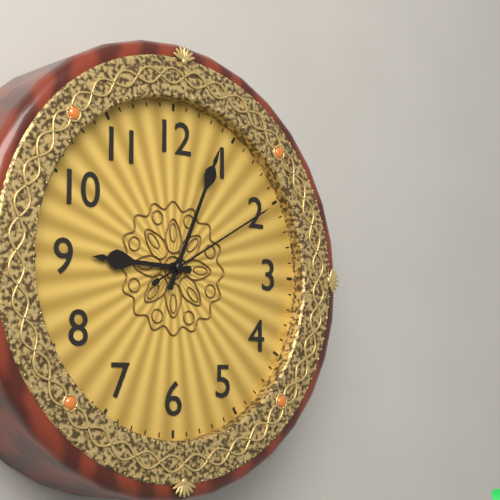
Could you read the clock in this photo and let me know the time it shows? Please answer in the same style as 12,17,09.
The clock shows 9,04,10
